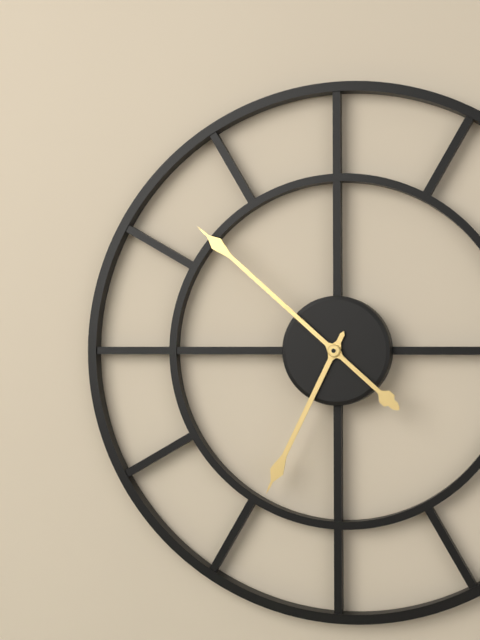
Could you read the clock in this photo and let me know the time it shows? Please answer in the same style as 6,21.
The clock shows 6,52
